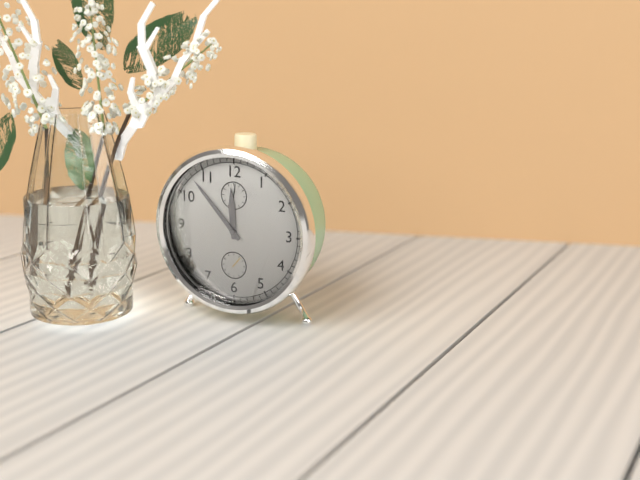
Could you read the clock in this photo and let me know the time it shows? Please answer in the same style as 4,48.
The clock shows 11,53
